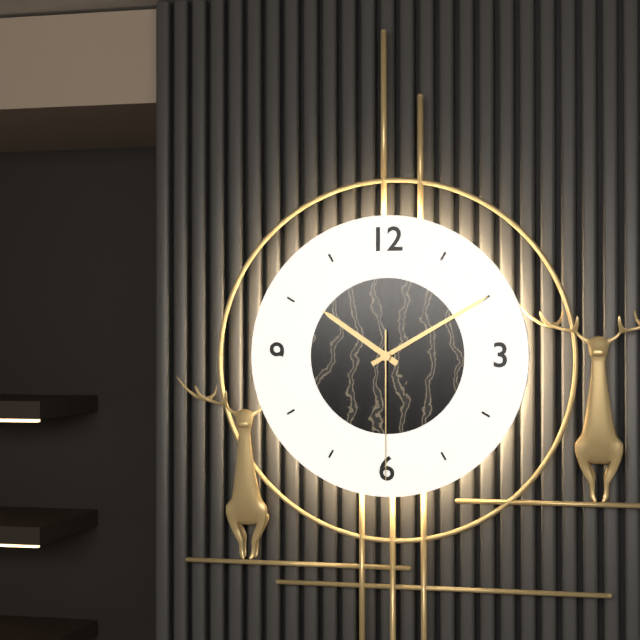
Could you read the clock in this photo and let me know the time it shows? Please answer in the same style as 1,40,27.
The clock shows 10,10,30
